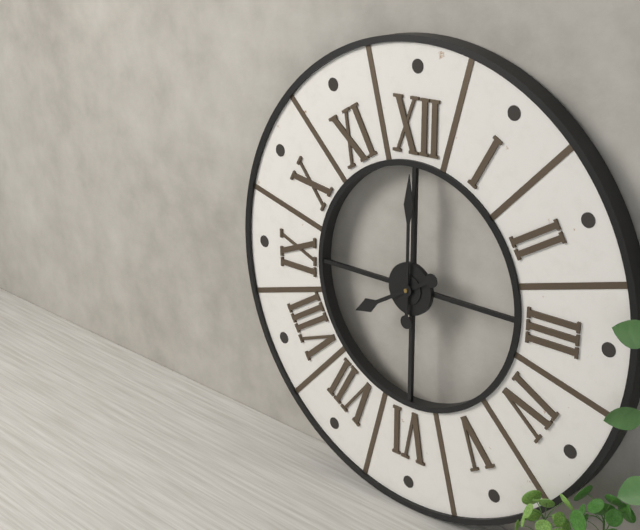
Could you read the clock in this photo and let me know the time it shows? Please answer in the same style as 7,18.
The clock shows 8,00
